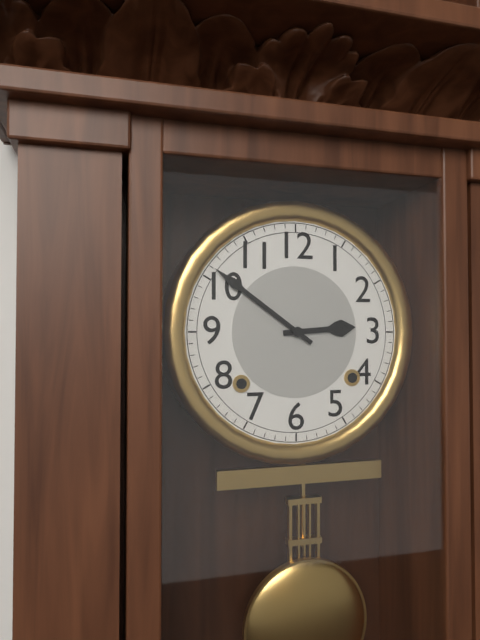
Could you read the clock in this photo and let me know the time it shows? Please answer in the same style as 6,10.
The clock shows 2,51
